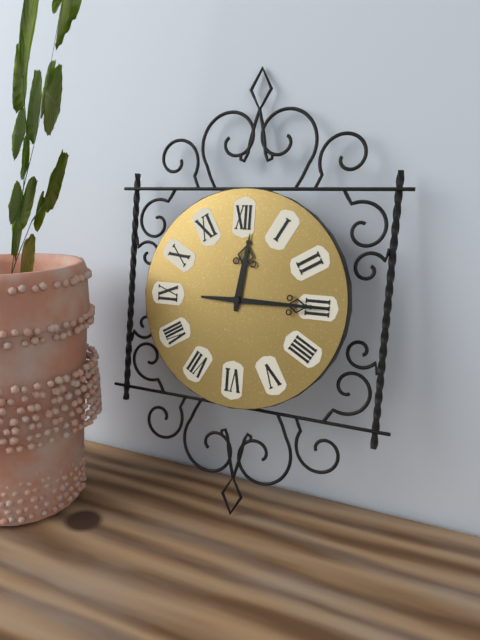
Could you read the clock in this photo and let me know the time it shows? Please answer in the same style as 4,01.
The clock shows 12,15
